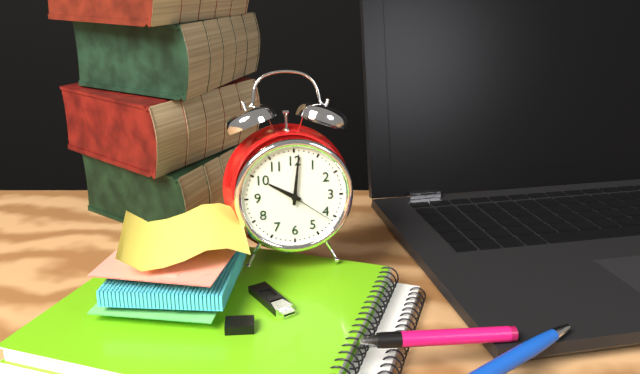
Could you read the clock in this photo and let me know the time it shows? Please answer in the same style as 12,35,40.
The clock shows 10,01,21
